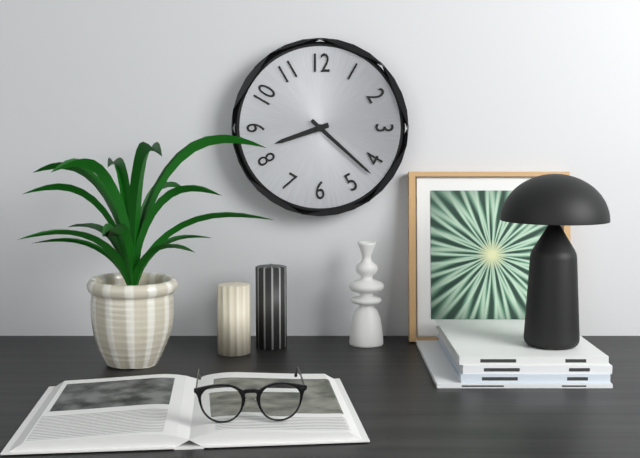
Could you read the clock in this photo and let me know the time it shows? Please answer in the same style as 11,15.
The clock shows 8,22
